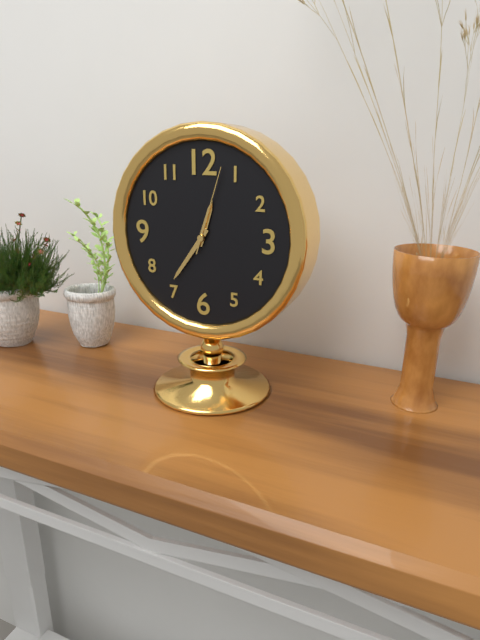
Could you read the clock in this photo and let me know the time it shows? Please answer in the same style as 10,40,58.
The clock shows 12,36,03
